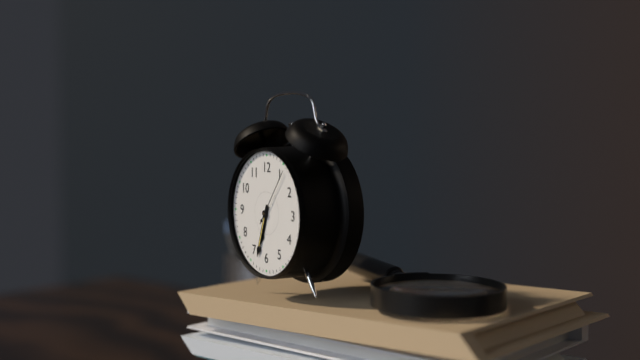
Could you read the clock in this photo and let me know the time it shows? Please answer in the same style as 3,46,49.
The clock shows 6,33,06
